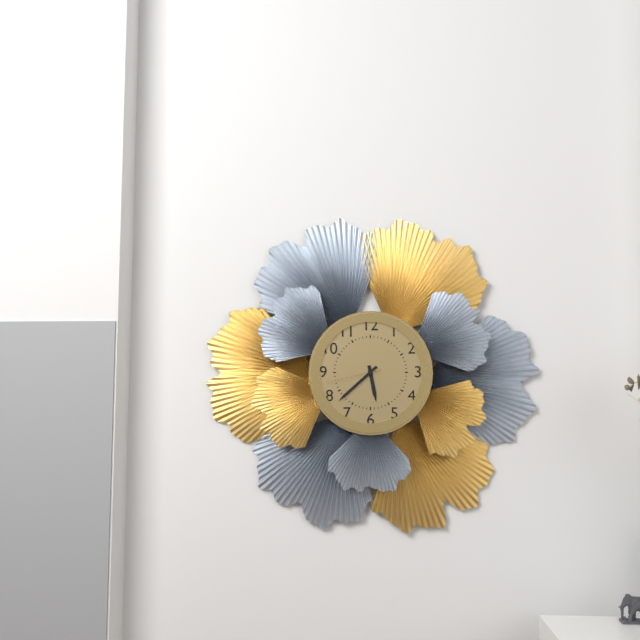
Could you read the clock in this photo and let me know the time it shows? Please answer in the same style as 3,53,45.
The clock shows 5,38,43
